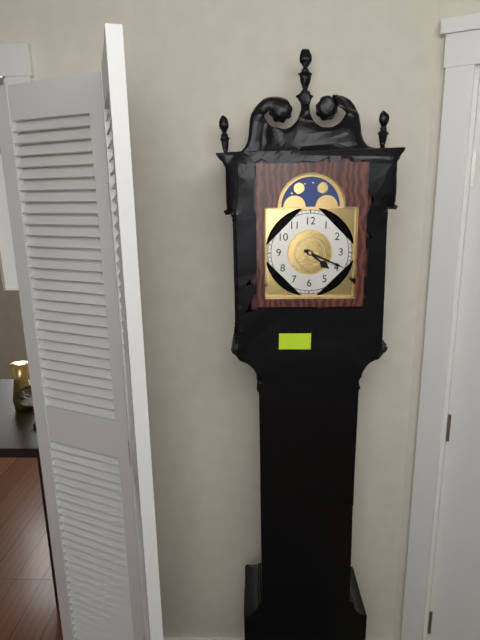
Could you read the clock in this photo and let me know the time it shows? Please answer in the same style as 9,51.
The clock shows 4,19
